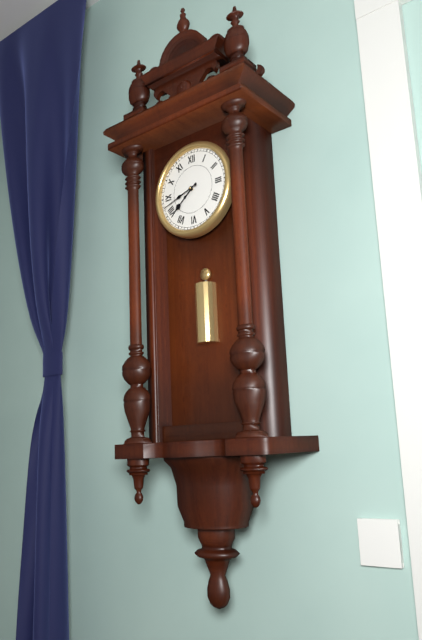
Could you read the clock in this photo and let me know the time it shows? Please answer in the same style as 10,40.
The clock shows 7,42
